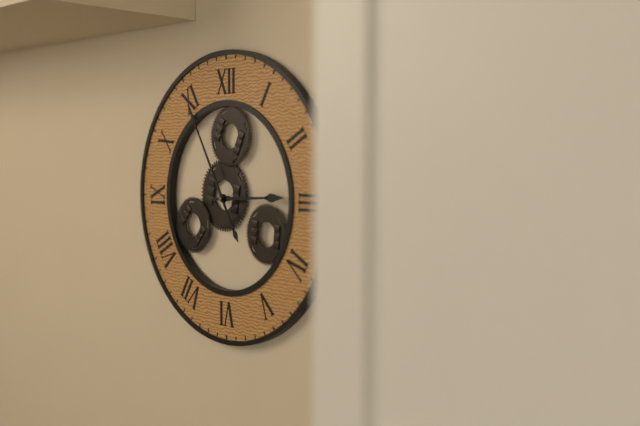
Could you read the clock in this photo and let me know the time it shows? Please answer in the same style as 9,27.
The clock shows 2,55
